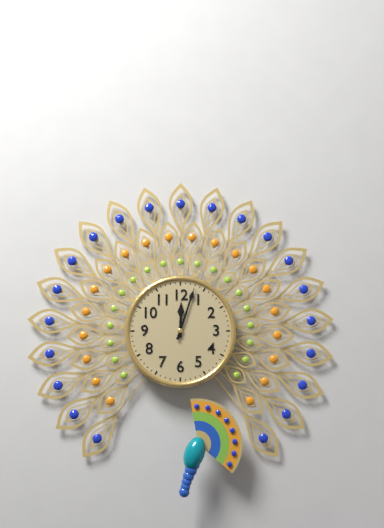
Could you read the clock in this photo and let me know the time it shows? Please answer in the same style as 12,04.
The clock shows 12,03
